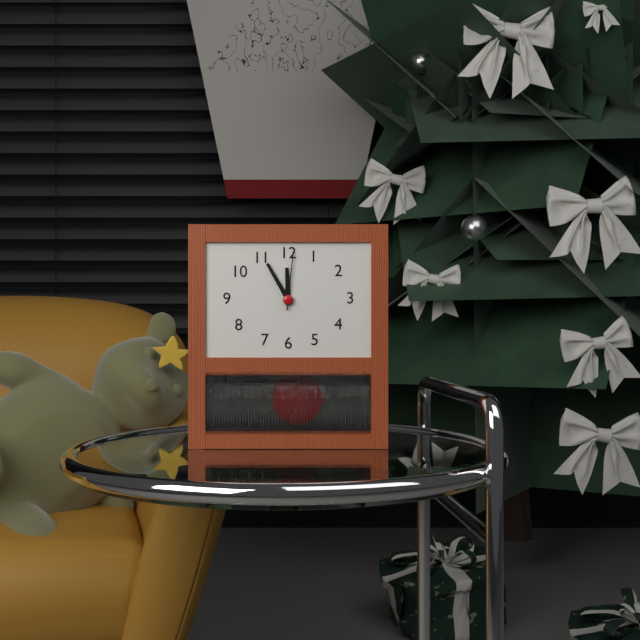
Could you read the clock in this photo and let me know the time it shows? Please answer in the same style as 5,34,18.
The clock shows 11,55,01
